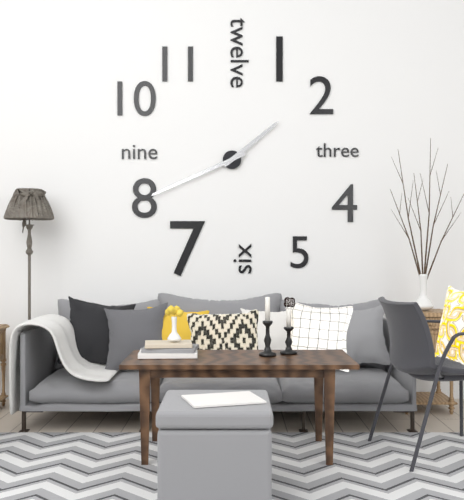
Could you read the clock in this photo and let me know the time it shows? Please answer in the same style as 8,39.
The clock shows 1,41
